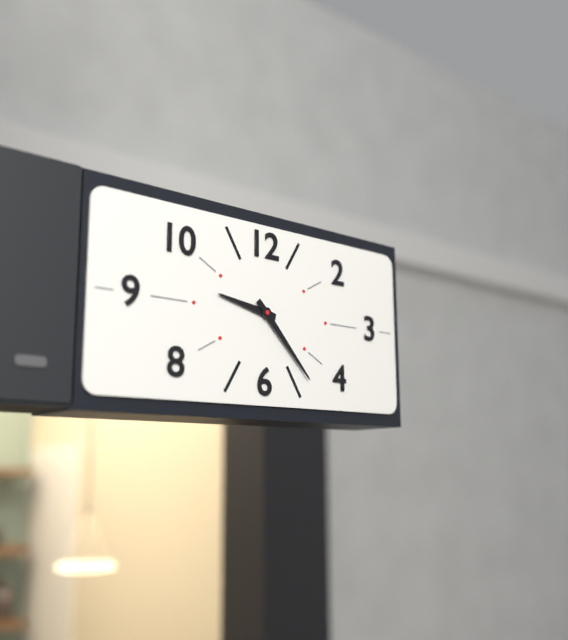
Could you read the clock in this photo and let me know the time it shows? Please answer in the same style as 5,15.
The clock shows 9,23
